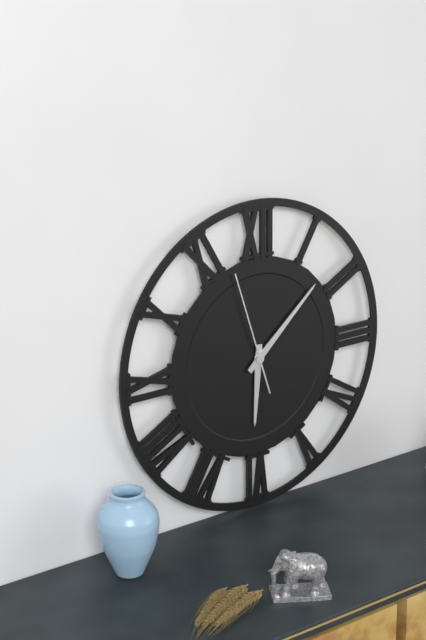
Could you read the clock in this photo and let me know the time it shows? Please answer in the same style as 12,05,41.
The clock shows 6,08,57
